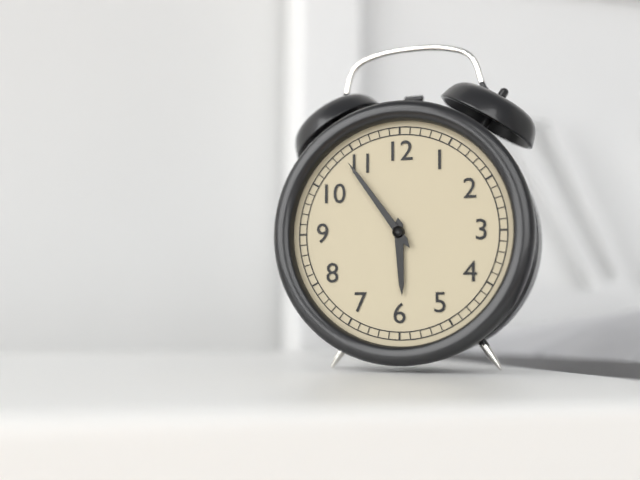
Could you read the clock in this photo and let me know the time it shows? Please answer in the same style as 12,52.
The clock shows 5,54
